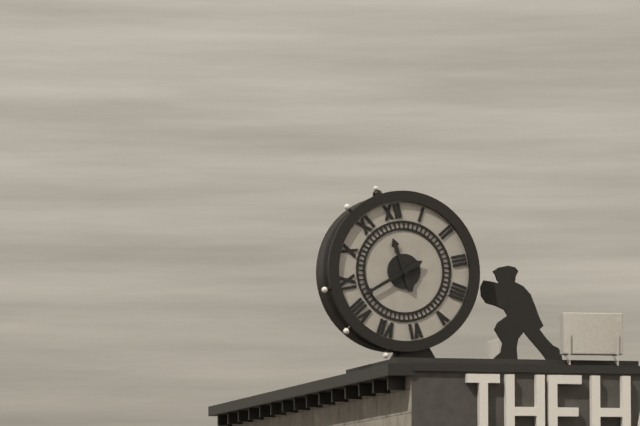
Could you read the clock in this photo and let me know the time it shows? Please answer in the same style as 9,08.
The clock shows 11,42
